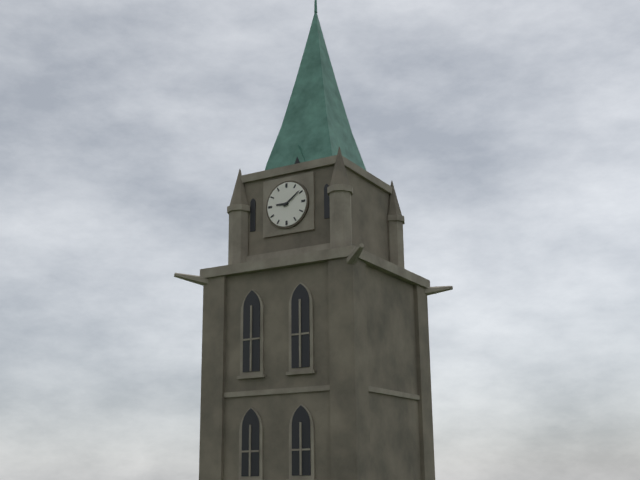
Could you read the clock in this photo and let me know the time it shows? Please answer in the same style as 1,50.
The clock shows 9,09
